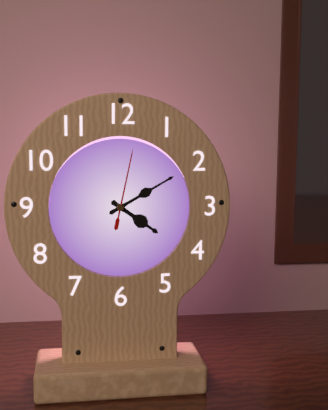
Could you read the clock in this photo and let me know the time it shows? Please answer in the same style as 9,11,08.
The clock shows 4,10,02
